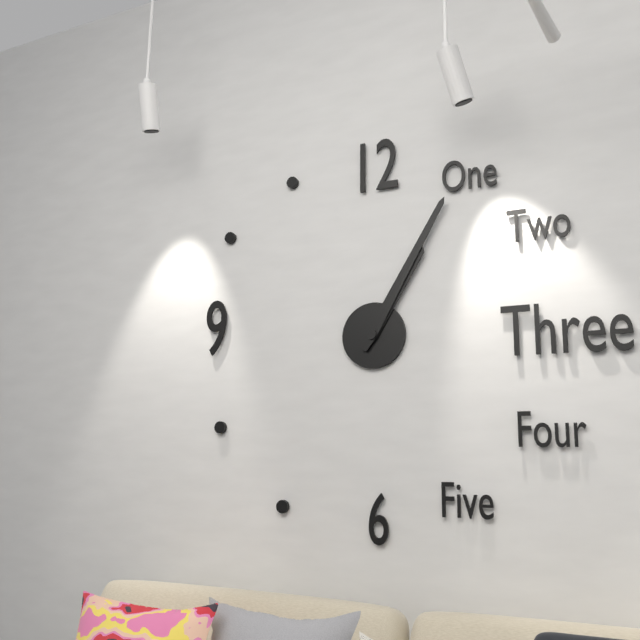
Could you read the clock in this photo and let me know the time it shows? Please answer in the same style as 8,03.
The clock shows 1,05
